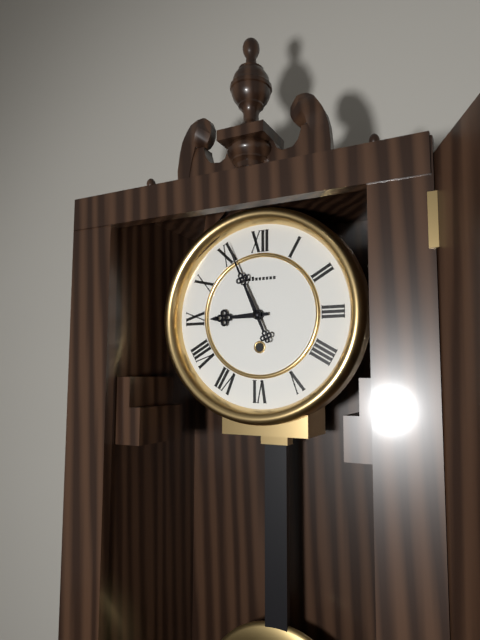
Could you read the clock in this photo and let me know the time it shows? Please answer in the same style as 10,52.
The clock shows 8,56
